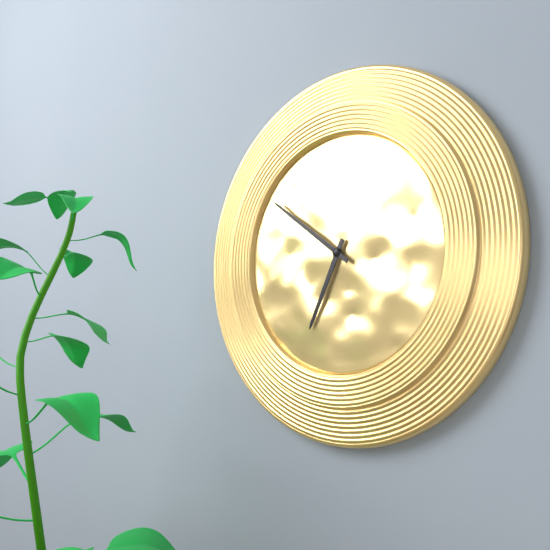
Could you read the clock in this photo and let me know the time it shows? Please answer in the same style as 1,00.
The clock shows 6,51
